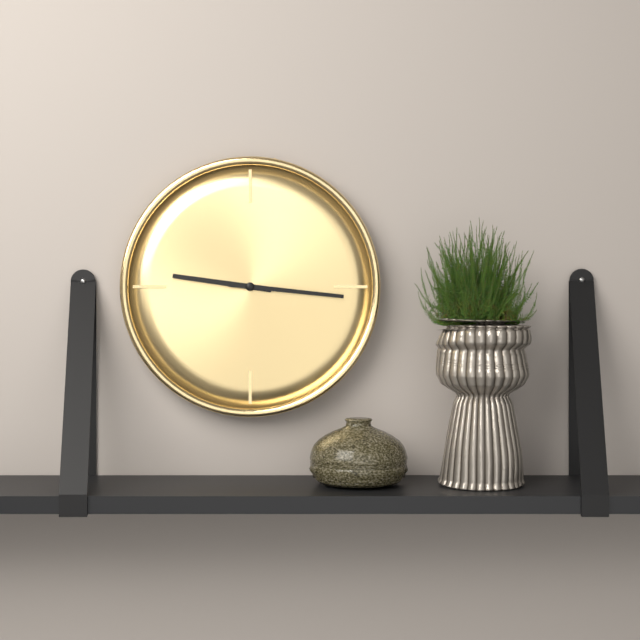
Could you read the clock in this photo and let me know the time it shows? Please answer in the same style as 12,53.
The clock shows 9,16
